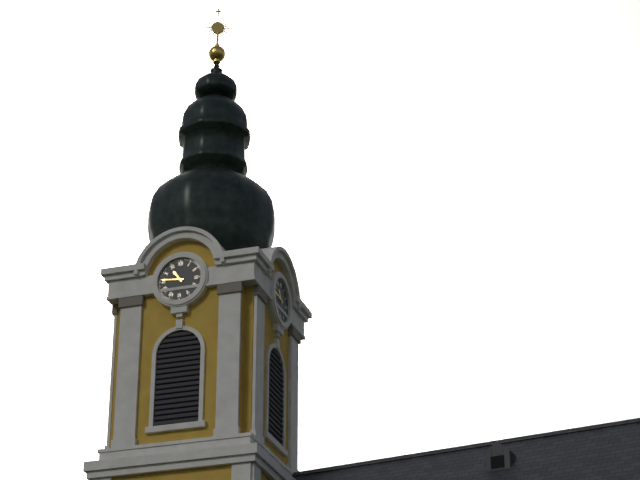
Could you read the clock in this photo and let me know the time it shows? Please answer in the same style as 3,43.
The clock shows 10,46
